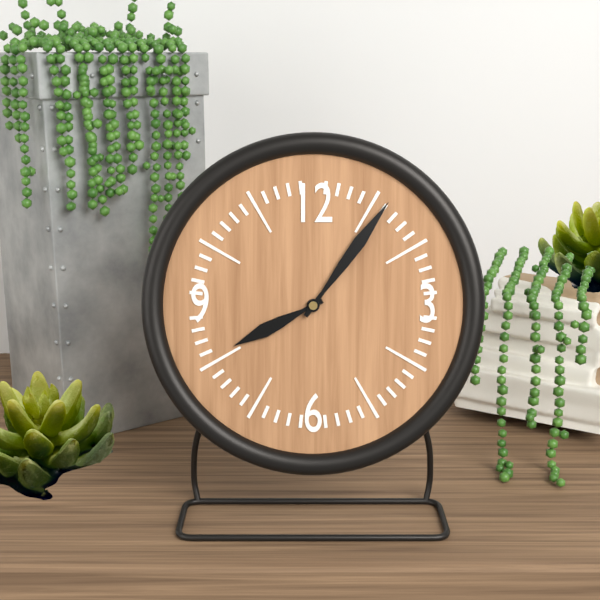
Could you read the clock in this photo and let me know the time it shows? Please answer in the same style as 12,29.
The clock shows 8,06
